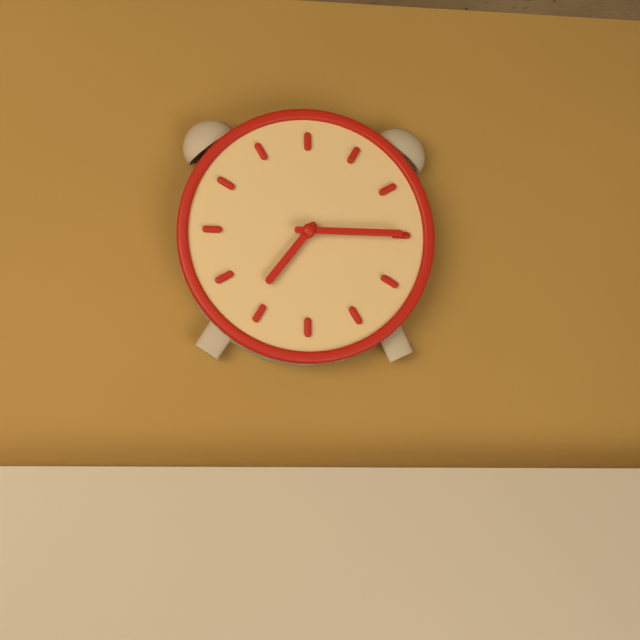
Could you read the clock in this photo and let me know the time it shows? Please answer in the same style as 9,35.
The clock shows 7,15
